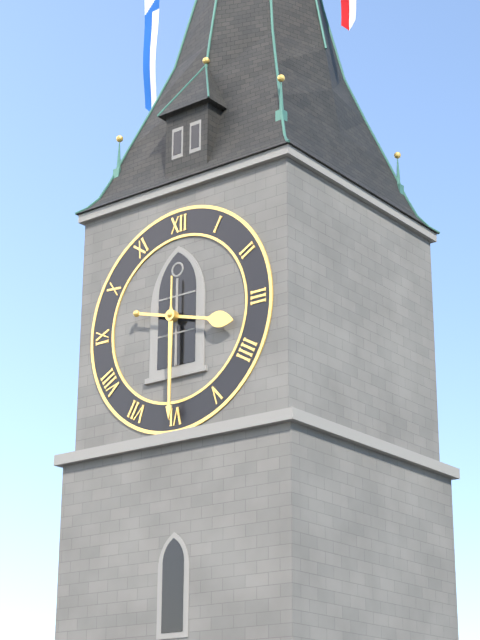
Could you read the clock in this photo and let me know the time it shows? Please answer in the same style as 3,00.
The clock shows 3,30
